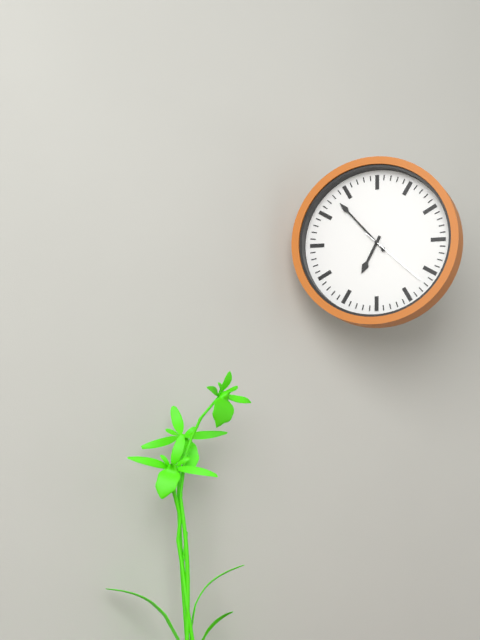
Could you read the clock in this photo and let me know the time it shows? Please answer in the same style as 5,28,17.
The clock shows 6,53,22
